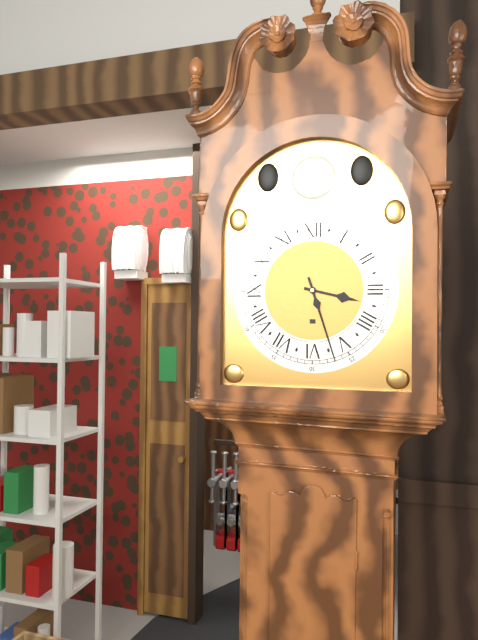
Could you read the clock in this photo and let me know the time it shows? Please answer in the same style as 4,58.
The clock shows 3,27
